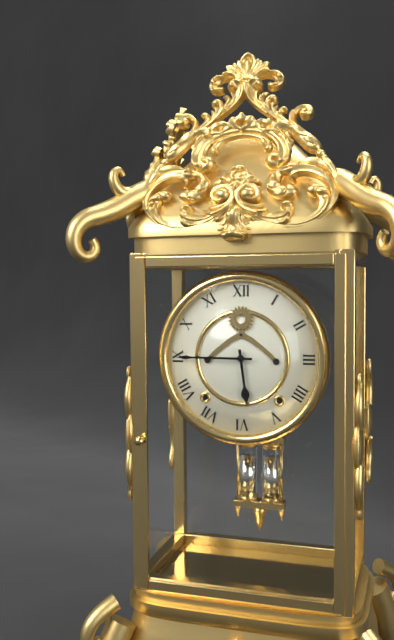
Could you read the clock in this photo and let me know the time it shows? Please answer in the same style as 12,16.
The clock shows 5,45
